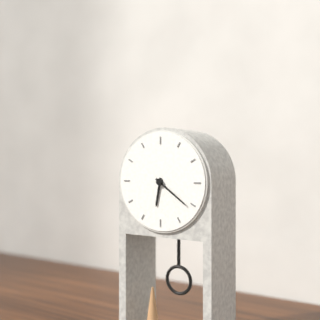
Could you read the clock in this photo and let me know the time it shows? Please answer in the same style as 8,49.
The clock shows 6,21
